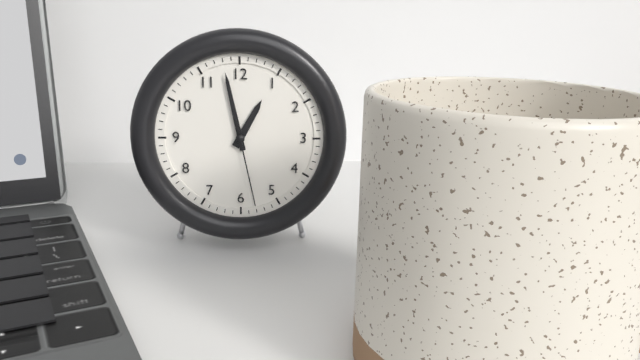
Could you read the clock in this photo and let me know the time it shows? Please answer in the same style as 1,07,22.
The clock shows 12,58,28
